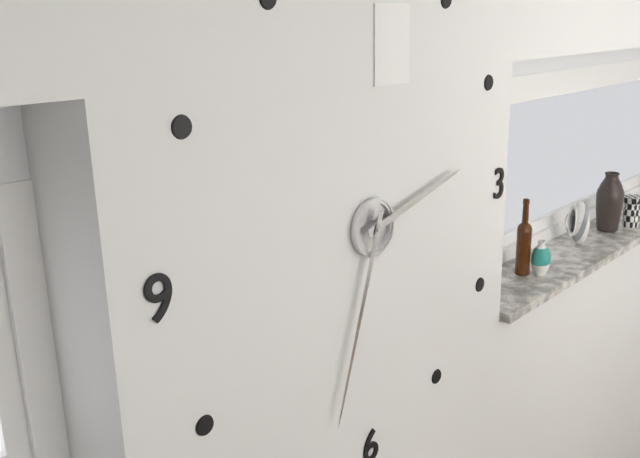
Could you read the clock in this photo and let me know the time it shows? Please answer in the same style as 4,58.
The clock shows 2,33
